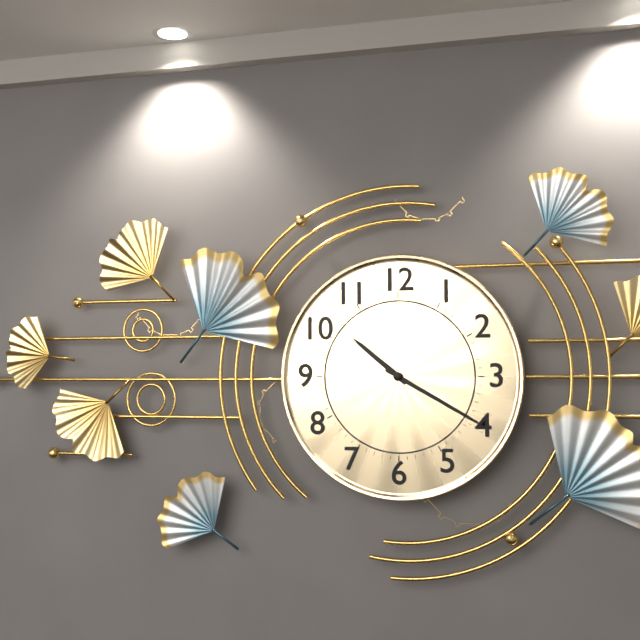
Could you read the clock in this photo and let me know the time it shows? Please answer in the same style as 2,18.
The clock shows 10,20
